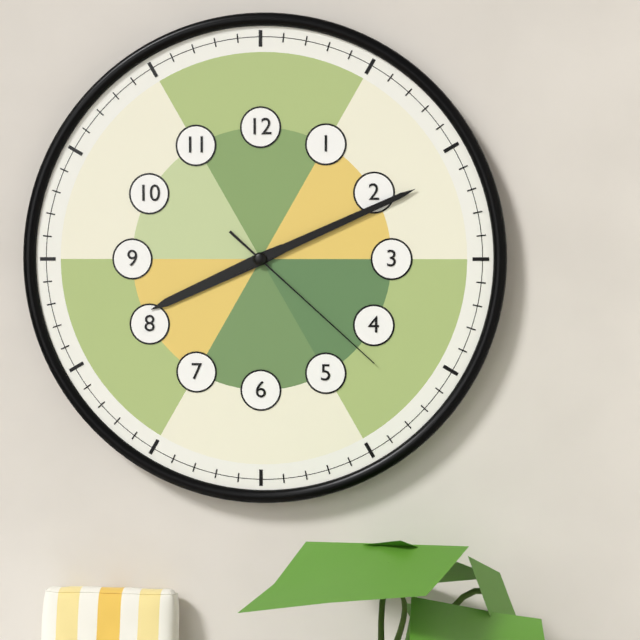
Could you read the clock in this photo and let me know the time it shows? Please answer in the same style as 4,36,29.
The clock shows 8,11,22
